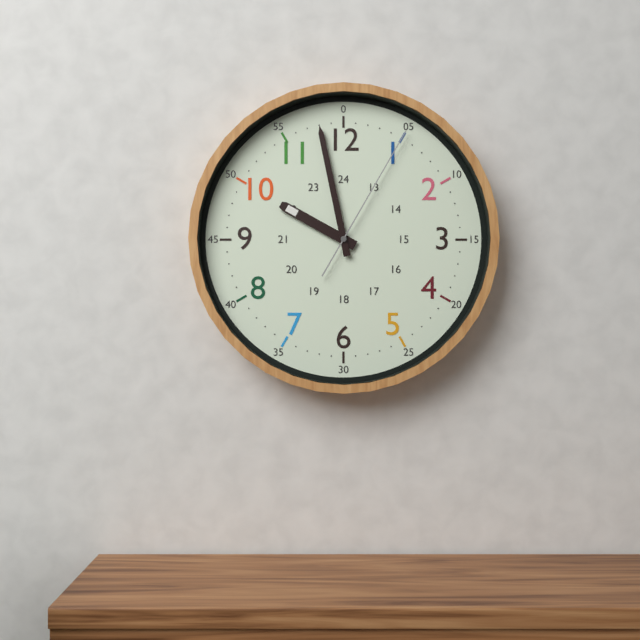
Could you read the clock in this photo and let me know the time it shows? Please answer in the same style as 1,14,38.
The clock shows 9,58,05
